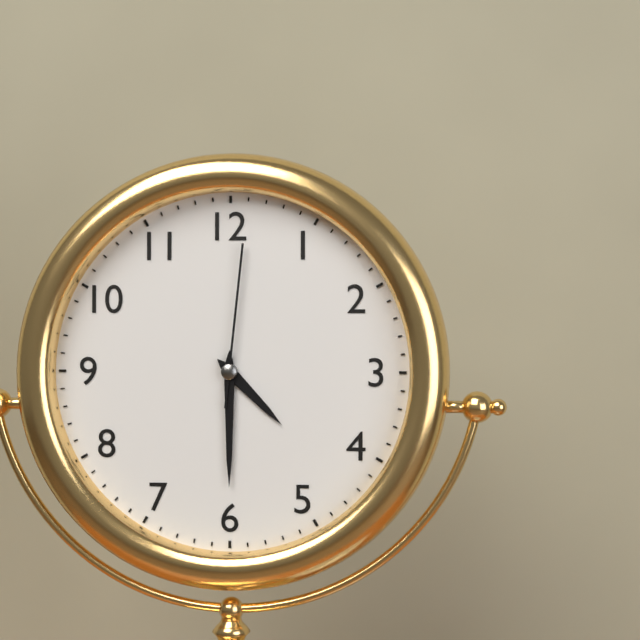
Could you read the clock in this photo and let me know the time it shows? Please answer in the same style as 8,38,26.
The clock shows 4,30,01
